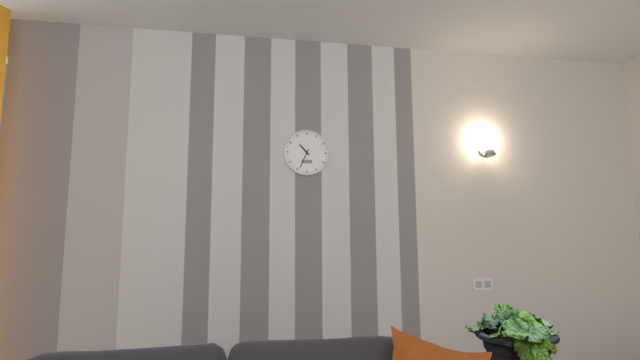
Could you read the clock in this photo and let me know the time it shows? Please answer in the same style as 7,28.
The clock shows 10,34
